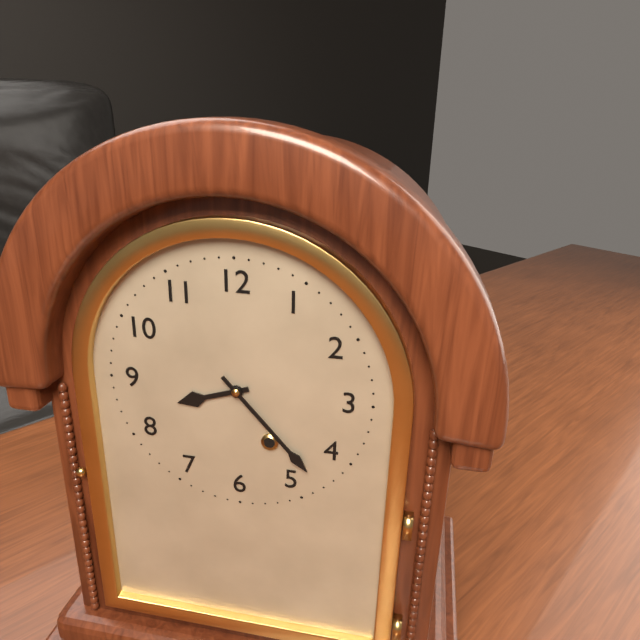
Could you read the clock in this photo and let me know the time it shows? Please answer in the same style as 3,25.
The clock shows 8,23
